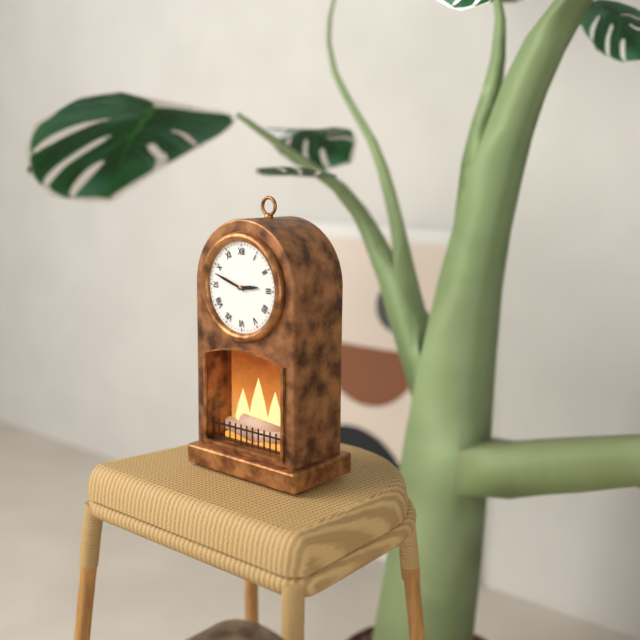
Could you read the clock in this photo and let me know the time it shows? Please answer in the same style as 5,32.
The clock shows 2,48
